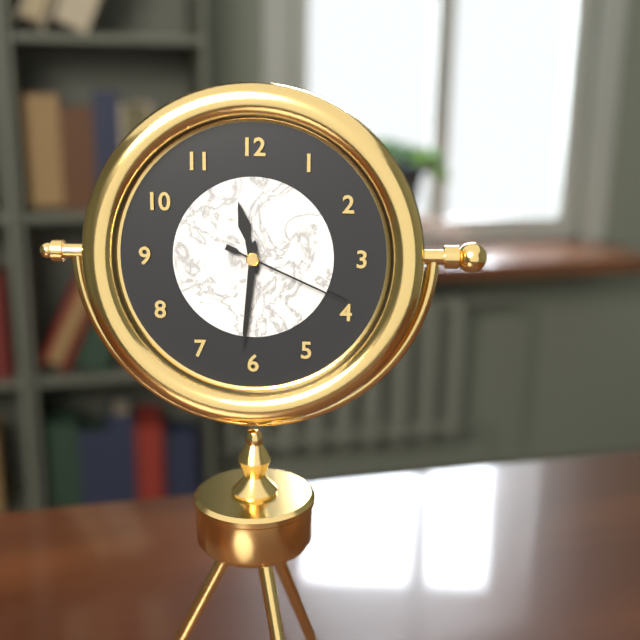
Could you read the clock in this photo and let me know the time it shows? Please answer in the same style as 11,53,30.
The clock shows 11,31,19
